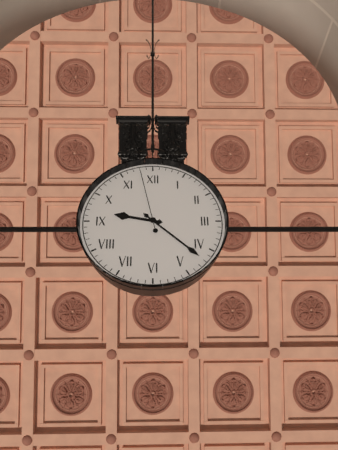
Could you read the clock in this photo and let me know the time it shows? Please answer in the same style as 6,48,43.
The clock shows 9,22,58
